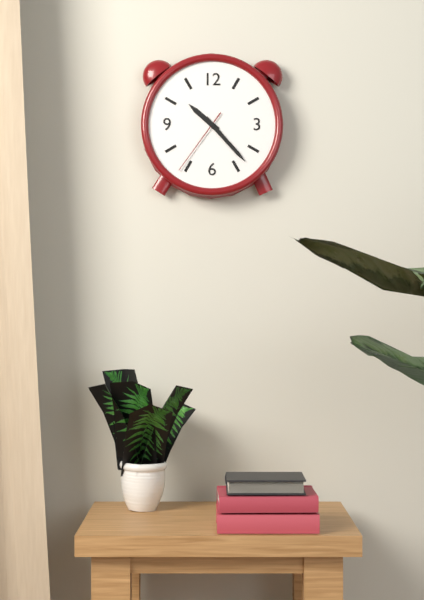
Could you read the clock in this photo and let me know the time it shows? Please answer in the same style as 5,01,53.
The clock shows 10,23,36
